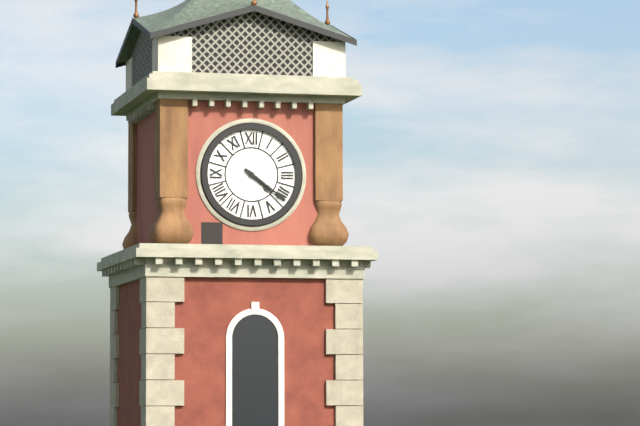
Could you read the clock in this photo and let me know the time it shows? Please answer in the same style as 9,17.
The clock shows 4,21
